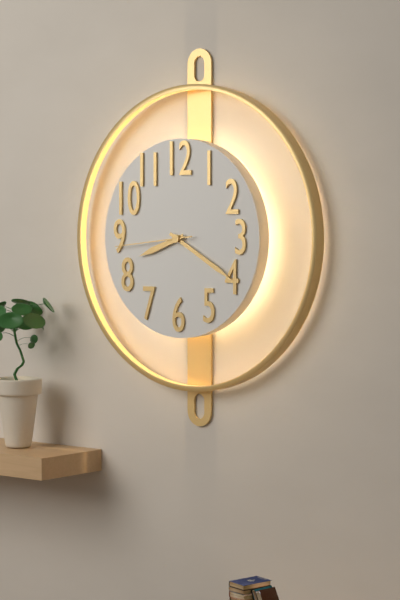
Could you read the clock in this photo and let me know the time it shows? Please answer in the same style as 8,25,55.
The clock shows 8,20,44
